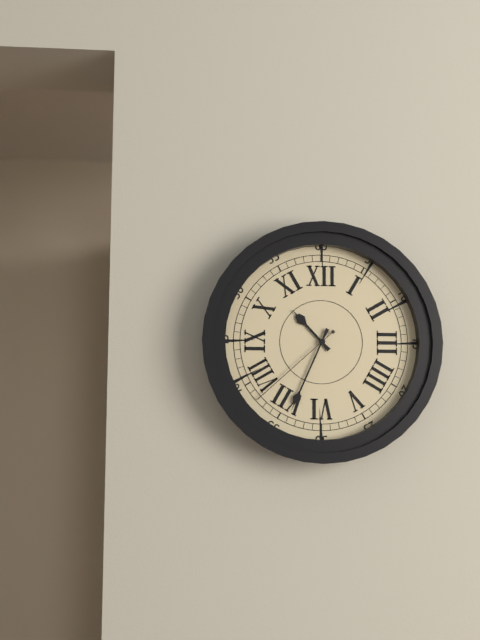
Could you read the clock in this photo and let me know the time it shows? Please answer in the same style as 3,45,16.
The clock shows 10,34,38
